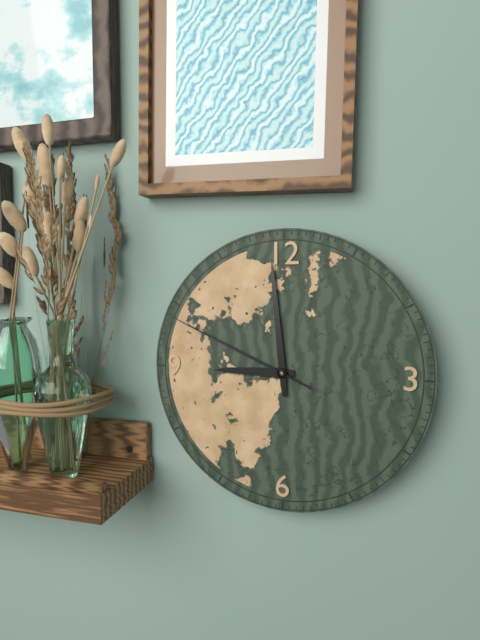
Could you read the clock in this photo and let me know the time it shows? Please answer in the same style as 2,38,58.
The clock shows 8,59,49
